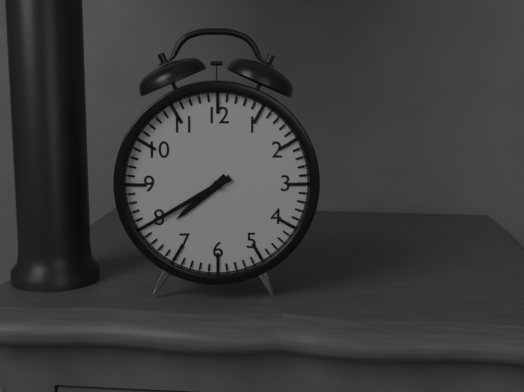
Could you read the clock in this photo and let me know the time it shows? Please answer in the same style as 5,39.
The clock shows 7,40
